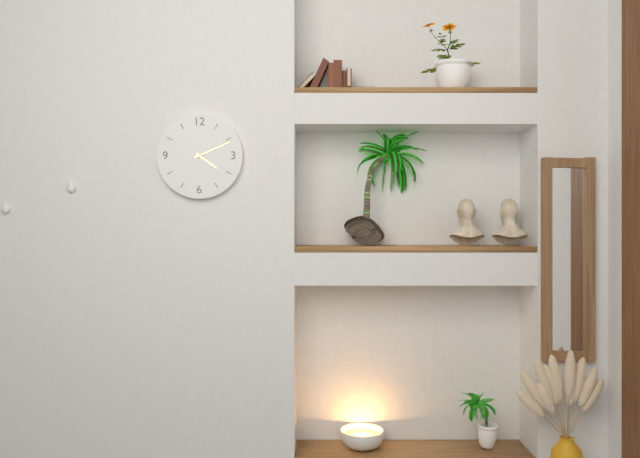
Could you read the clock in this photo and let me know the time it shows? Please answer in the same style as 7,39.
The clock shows 4,11
